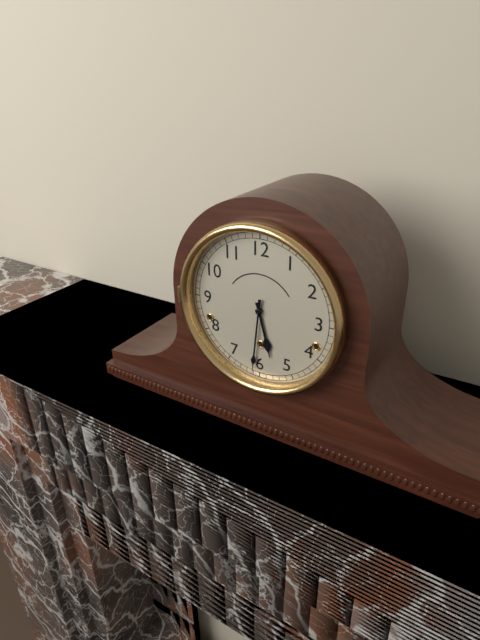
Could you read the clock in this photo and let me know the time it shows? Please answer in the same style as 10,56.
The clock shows 5,31
